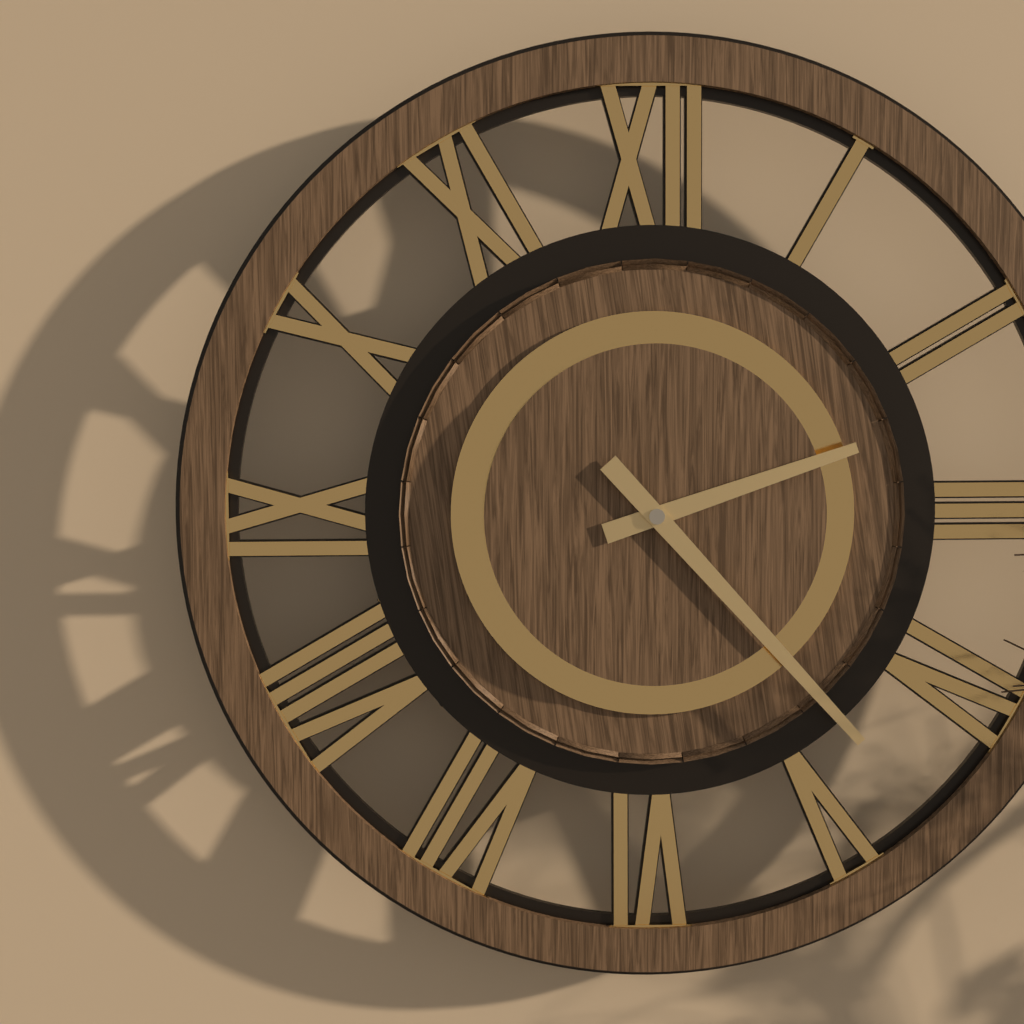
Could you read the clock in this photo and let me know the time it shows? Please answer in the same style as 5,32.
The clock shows 2,23
